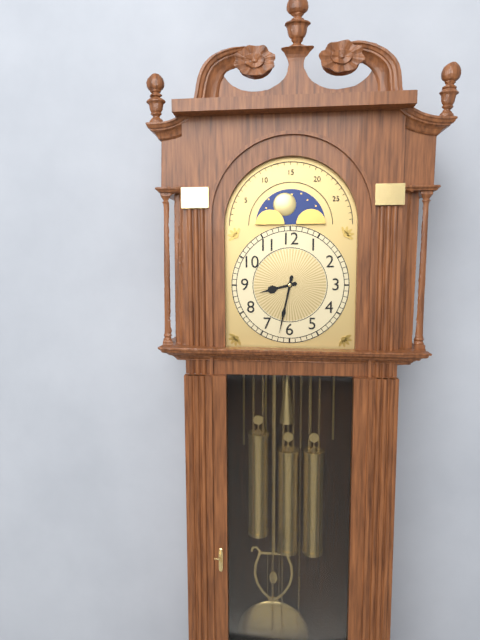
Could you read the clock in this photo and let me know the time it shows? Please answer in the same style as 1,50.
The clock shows 8,32
